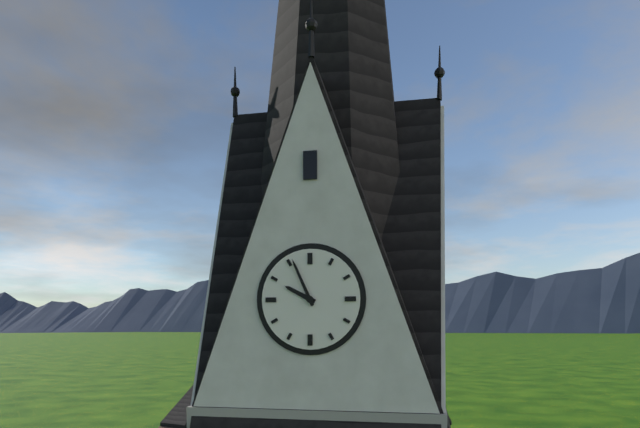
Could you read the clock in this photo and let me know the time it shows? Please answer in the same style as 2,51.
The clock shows 9,56
